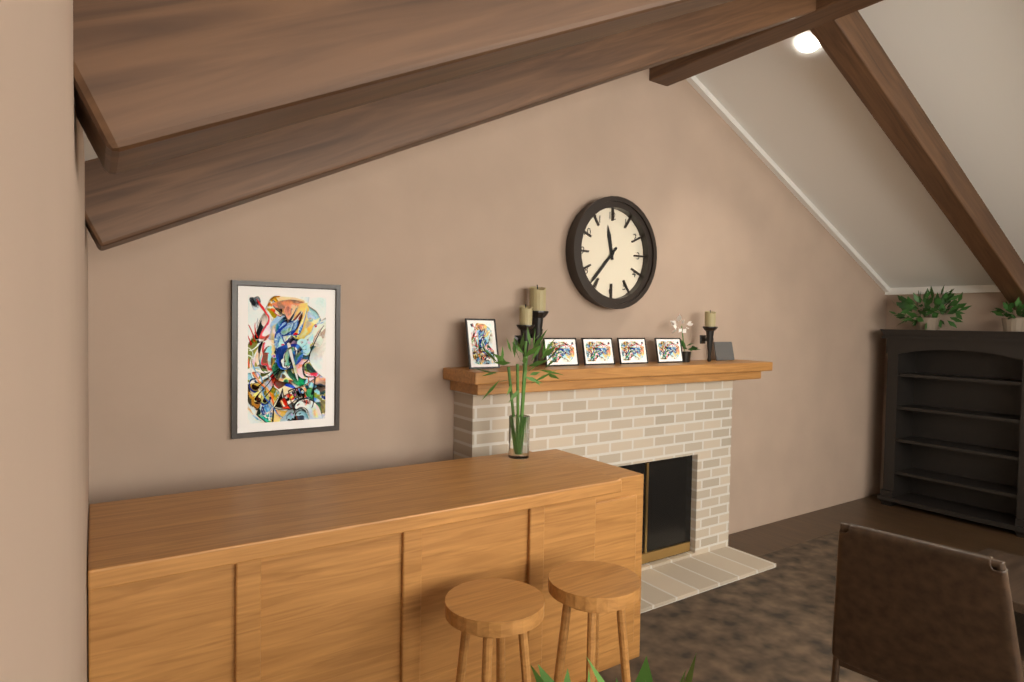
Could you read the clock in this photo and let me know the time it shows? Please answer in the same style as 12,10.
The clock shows 11,37
